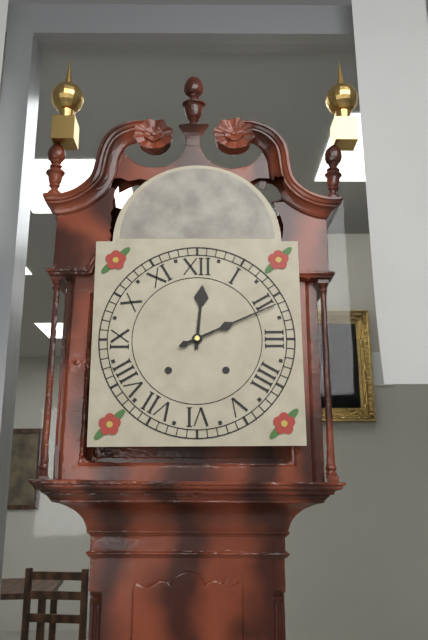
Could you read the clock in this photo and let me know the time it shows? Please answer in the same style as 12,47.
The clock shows 12,11
